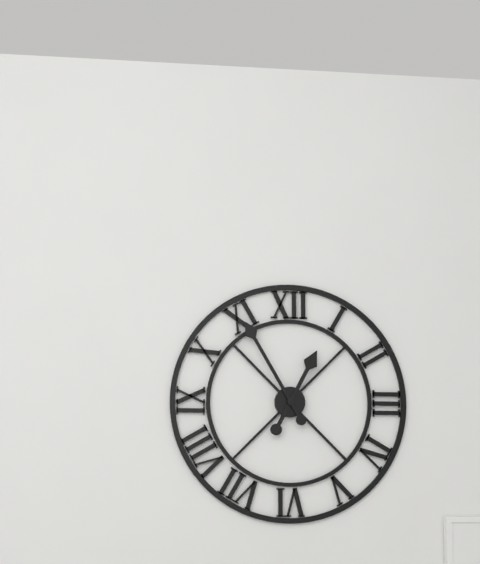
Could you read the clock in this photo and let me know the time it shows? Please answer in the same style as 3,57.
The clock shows 12,55
